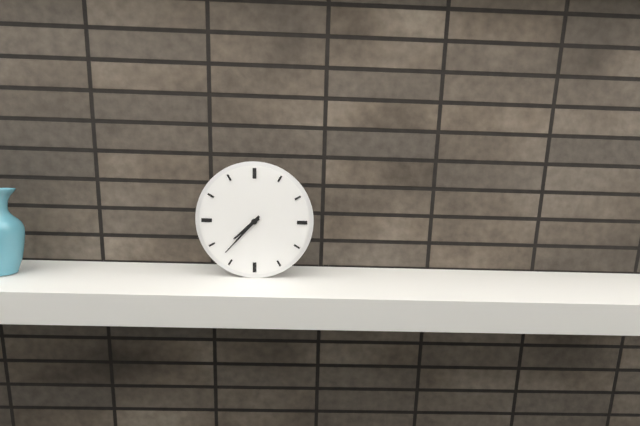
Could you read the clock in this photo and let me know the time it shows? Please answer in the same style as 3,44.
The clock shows 7,37
